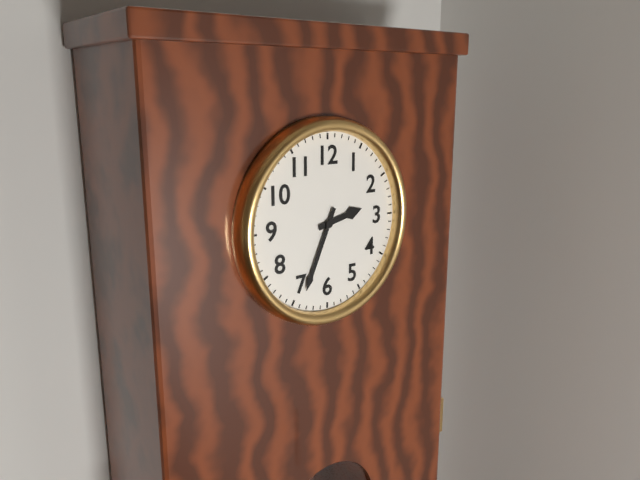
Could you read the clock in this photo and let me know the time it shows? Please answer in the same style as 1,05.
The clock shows 2,34
